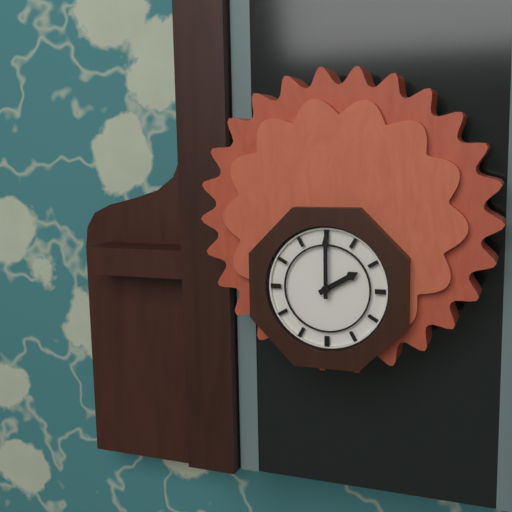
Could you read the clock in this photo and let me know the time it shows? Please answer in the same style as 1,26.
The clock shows 2,00
